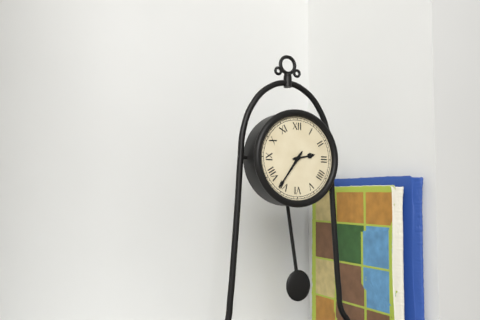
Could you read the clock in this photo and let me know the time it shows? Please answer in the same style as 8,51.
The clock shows 2,36
